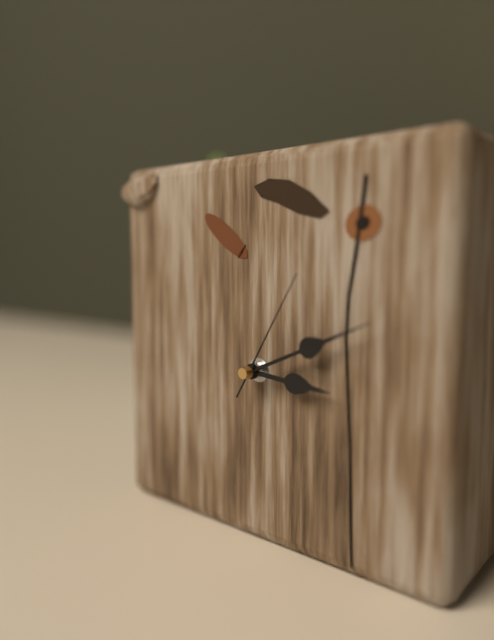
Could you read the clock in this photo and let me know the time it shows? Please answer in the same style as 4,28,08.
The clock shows 3,11,05
